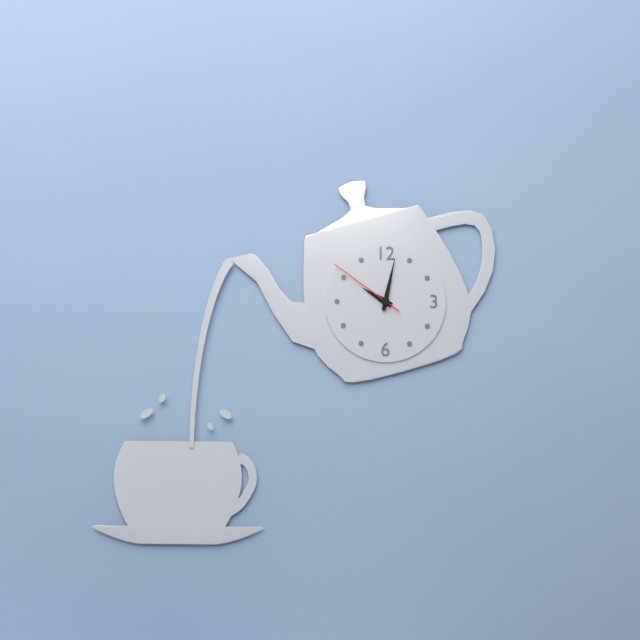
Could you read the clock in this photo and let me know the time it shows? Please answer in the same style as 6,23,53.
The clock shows 10,02,51
